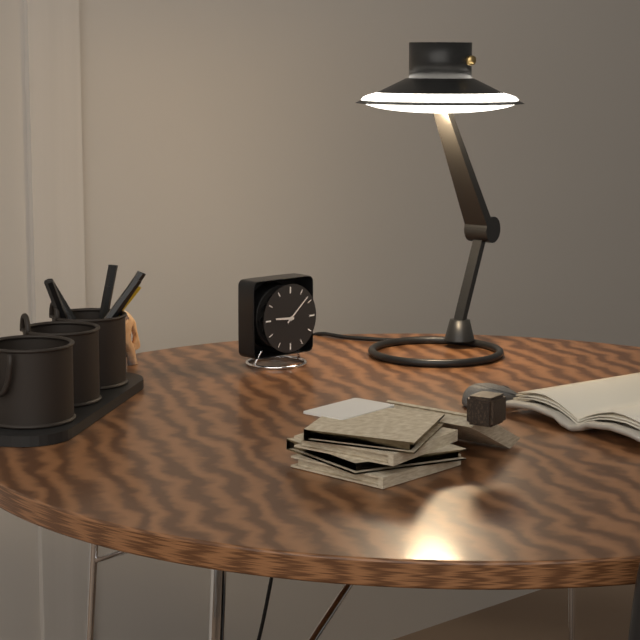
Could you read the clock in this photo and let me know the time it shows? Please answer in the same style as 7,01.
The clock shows 9,08
